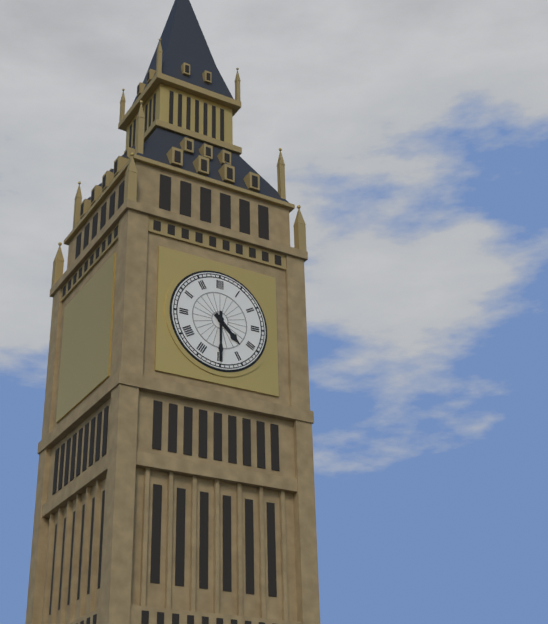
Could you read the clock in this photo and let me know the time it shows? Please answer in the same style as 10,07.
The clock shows 4,30
